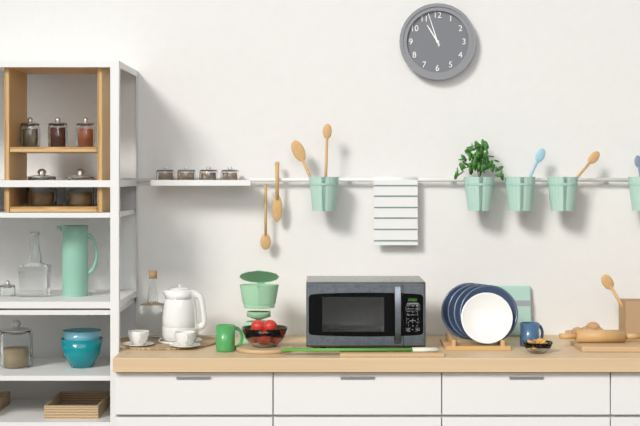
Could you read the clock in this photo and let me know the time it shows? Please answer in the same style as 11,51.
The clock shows 10,57
